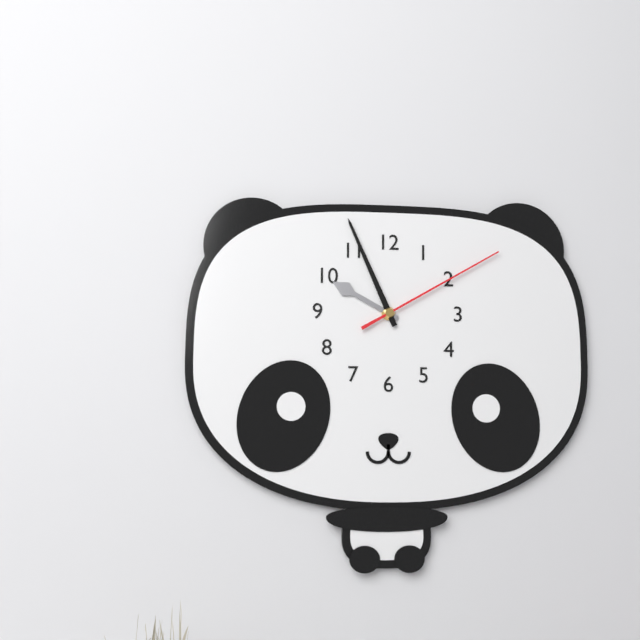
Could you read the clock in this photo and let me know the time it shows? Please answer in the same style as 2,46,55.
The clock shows 9,56,10
